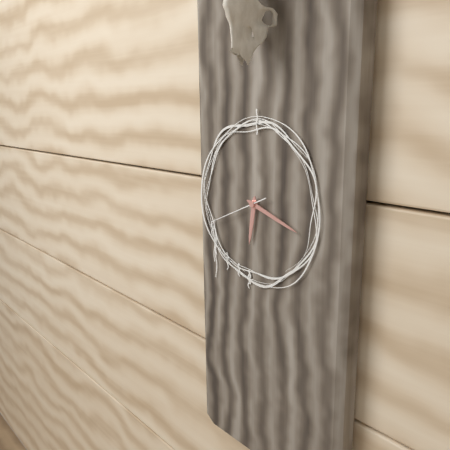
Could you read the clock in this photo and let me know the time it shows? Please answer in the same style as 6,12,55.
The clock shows 6,18,41
